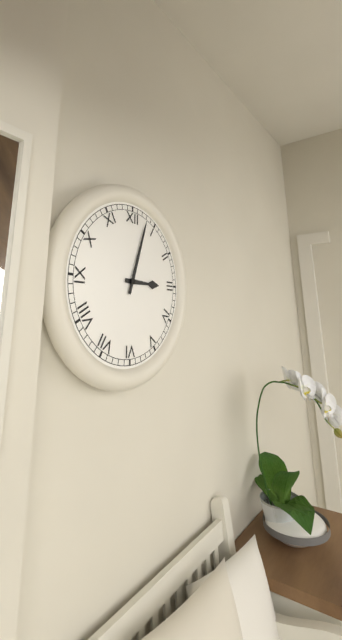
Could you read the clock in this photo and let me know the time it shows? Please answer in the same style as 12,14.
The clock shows 3,03
